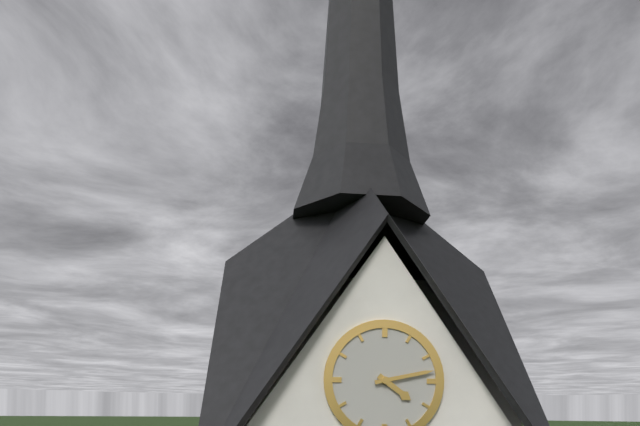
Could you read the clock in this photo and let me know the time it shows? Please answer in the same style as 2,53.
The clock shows 4,13
